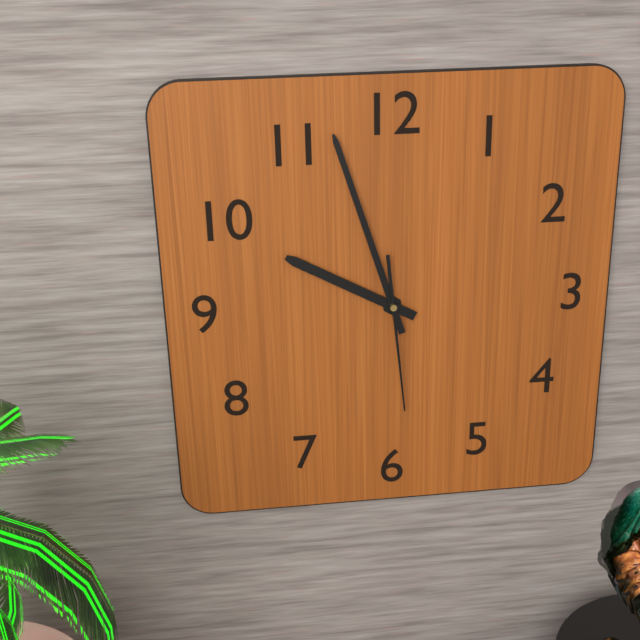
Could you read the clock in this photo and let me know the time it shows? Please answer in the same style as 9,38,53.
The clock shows 9,57,29
